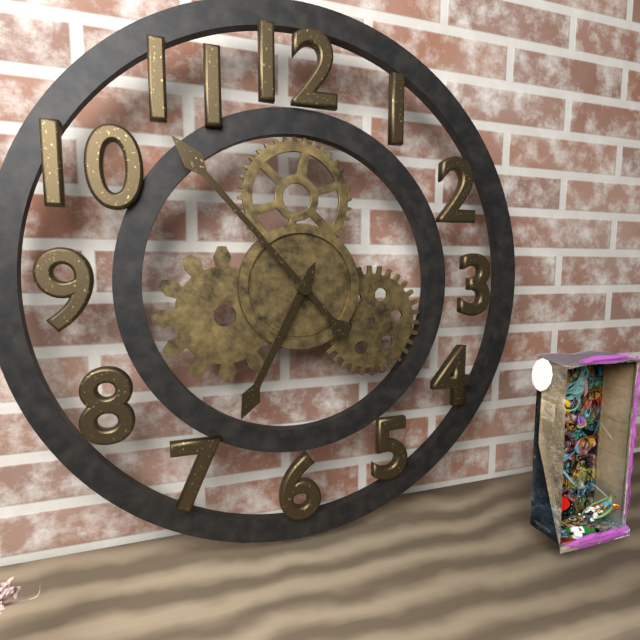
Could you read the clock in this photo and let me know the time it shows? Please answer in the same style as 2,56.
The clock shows 6,53
